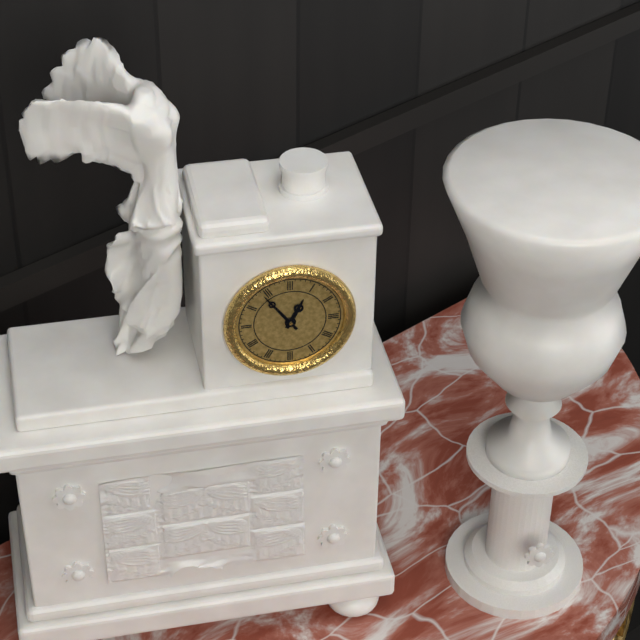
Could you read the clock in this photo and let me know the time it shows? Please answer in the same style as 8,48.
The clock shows 12,54
